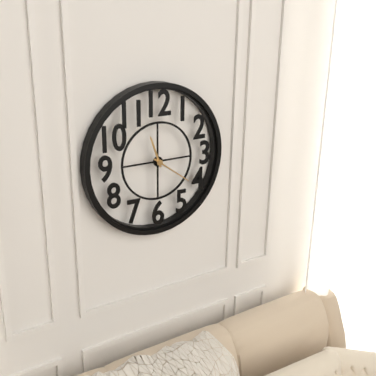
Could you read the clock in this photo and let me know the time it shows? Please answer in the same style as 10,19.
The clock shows 11,21
